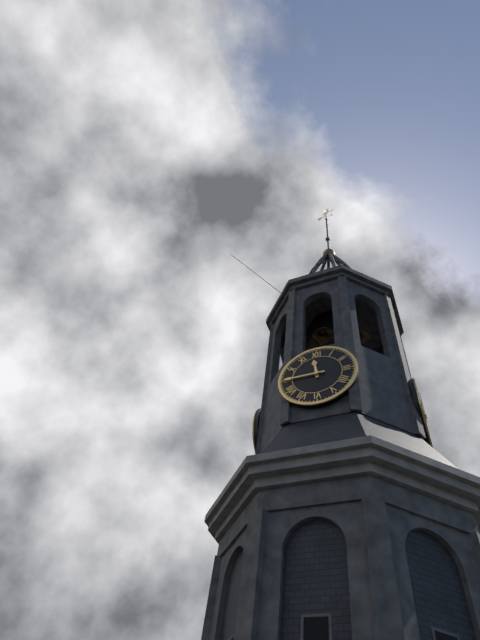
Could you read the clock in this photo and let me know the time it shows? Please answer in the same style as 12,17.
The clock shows 11,45
